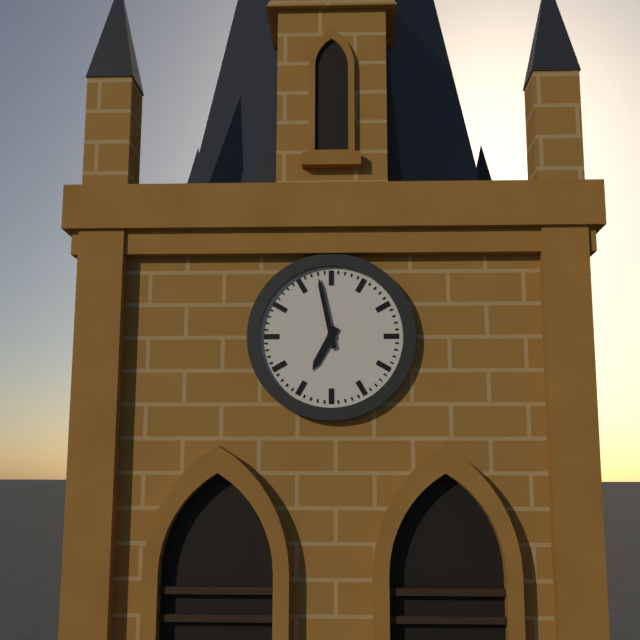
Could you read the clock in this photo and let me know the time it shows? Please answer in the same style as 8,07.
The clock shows 6,58
